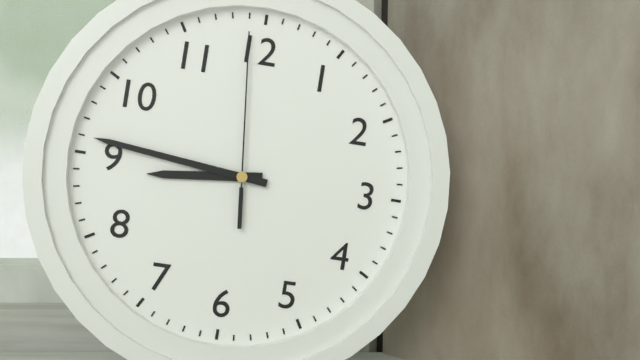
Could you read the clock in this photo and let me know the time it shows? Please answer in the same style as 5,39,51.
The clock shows 8,46,59
